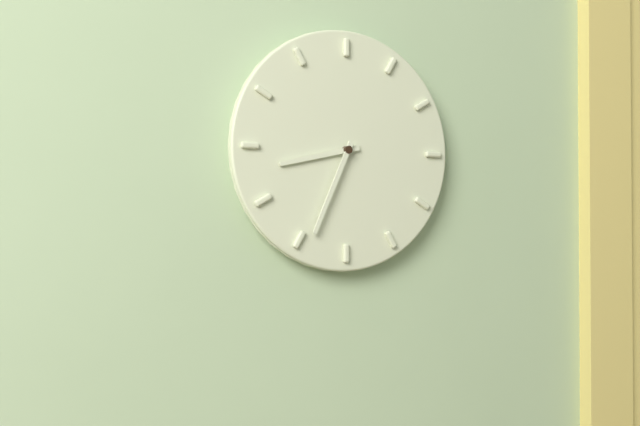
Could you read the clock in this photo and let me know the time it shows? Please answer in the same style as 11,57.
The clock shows 8,34
